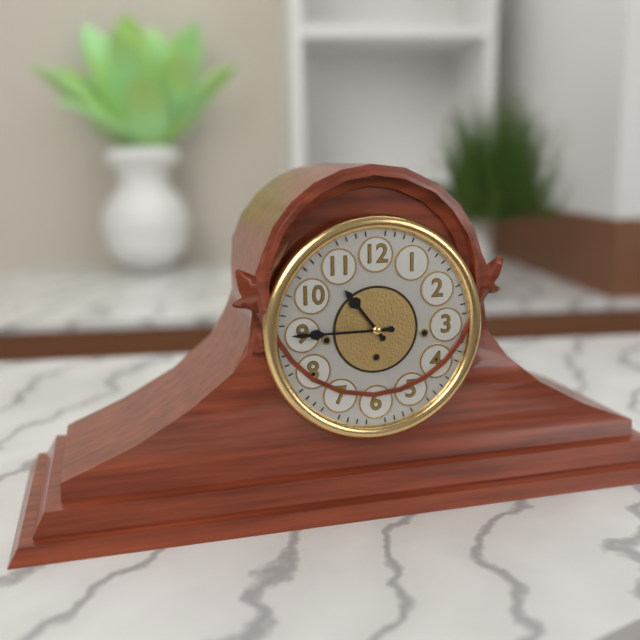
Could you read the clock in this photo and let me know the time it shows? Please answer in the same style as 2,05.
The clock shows 10,45
